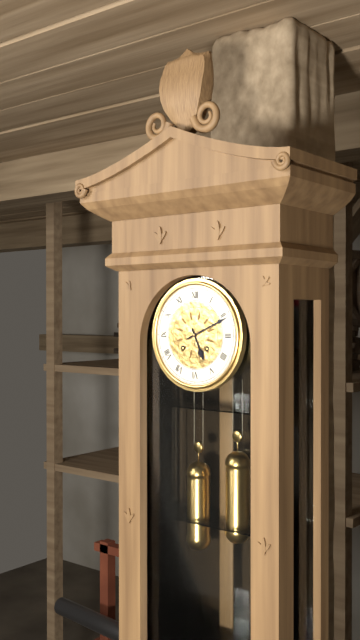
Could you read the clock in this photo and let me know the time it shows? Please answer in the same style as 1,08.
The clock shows 5,11
